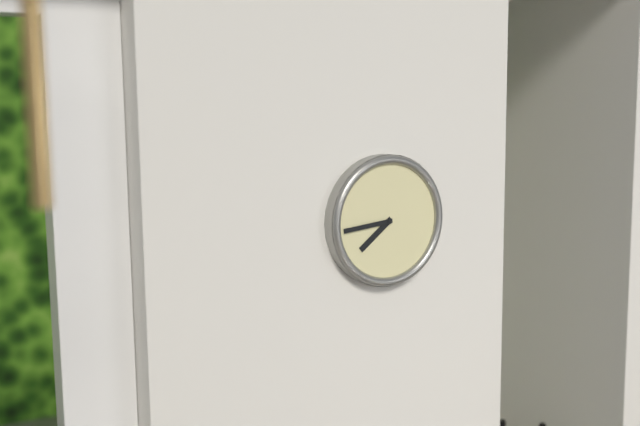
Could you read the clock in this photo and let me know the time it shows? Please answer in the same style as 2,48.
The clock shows 7,44
